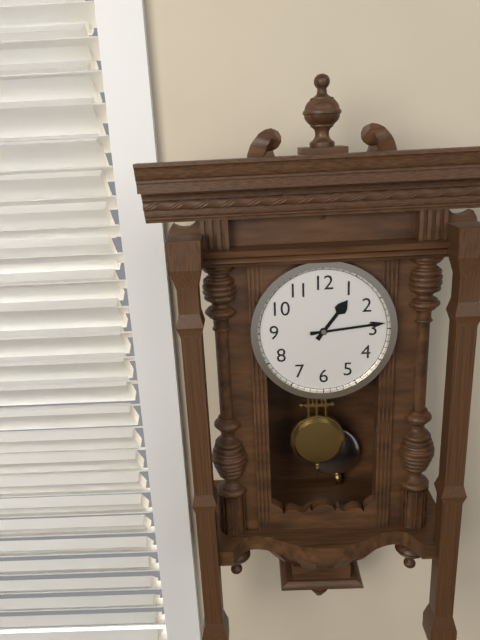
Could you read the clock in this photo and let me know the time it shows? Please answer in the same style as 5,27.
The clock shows 1,14
